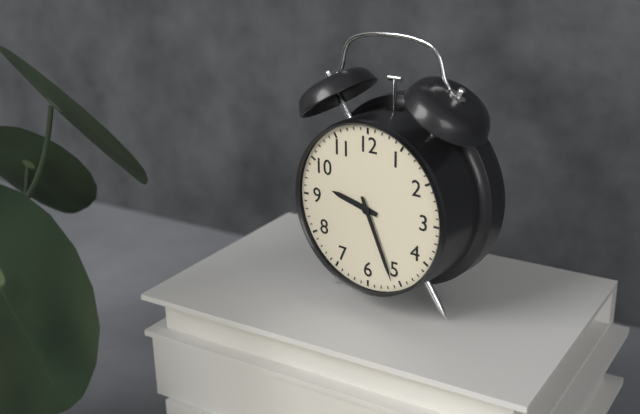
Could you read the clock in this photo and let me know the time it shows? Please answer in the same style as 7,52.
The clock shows 9,26
